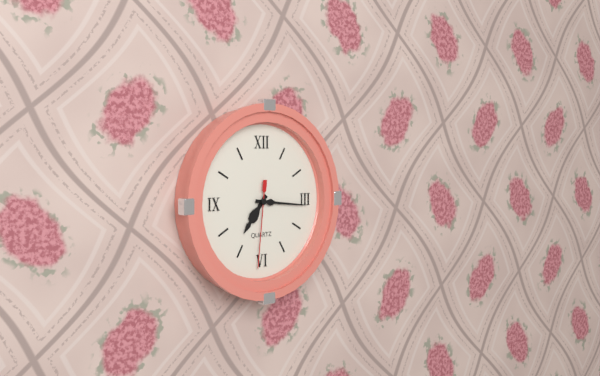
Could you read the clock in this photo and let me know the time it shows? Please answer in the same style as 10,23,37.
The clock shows 7,16,31
